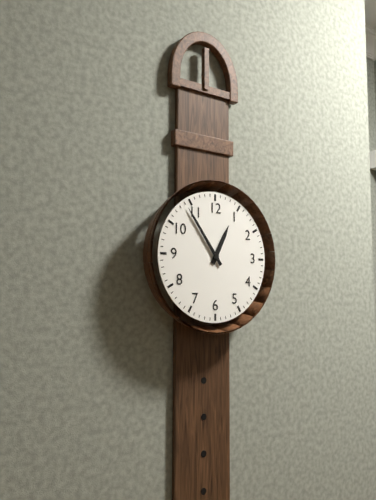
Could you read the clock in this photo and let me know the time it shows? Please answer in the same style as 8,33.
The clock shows 12,54
